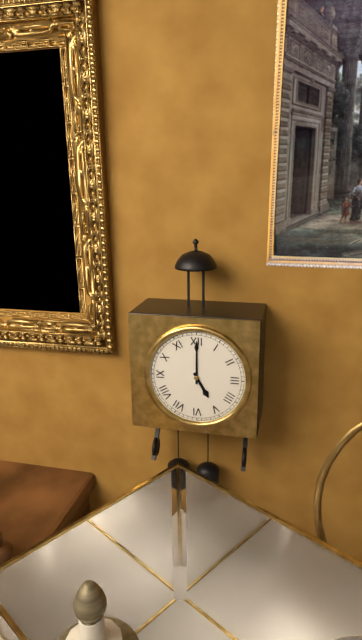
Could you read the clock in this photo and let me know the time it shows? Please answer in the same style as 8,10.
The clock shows 5,00
